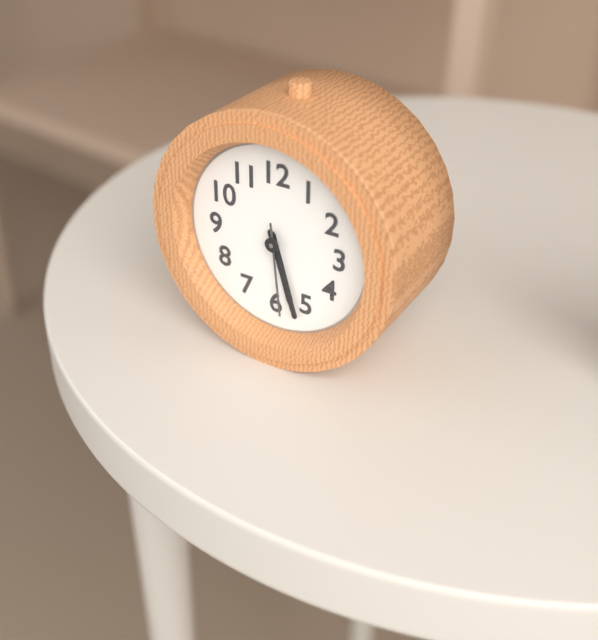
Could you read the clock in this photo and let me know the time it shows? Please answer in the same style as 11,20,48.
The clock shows 5,27,29
